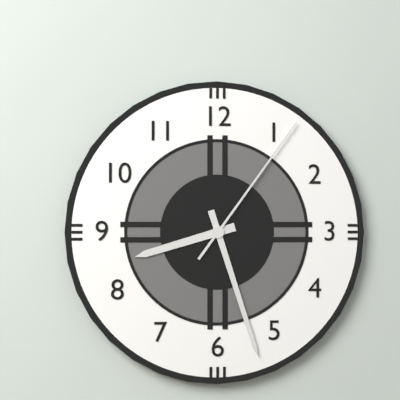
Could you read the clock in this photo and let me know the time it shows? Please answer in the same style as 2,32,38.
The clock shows 8,27,06
